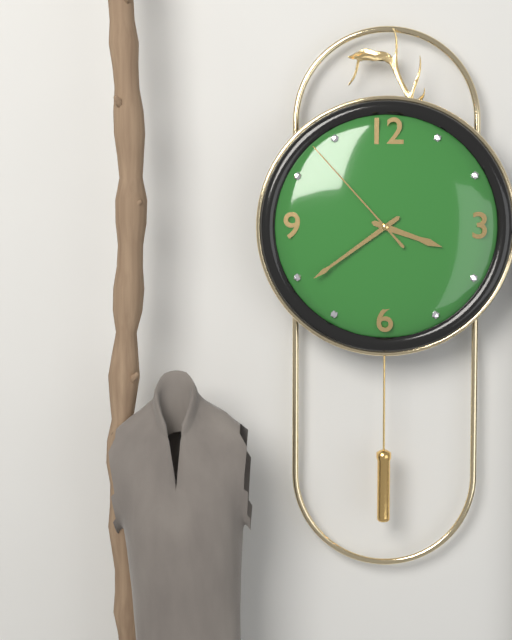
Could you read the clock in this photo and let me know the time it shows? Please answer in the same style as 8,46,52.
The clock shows 3,39,53
